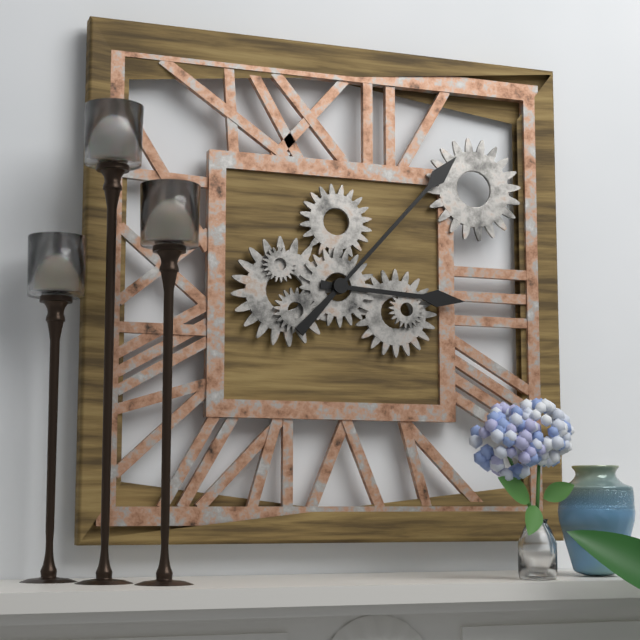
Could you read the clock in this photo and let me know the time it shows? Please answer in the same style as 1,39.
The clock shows 3,07
